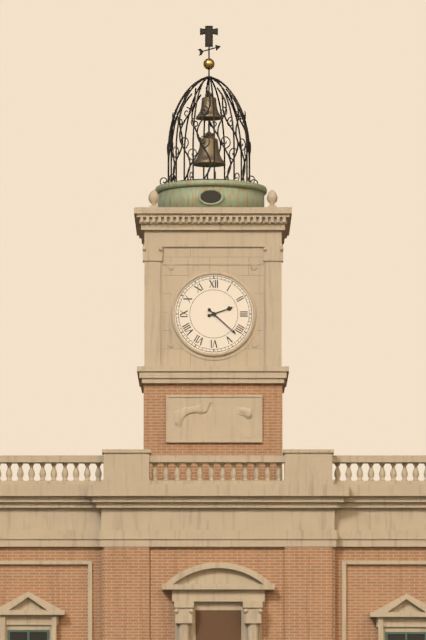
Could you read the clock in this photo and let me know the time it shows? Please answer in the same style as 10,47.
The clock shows 2,22
